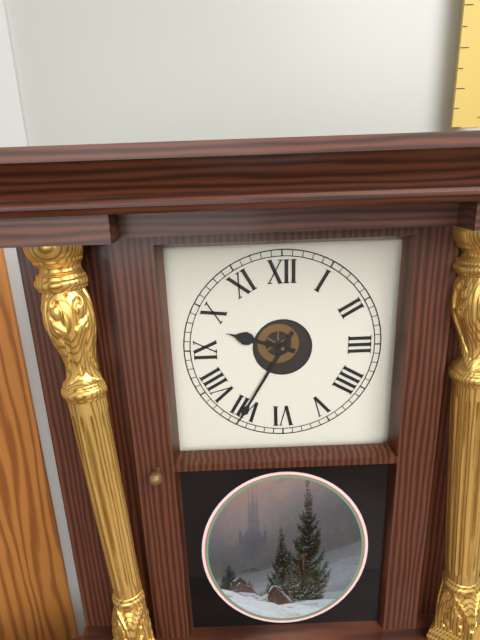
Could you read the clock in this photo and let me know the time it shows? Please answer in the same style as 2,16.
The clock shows 9,35
